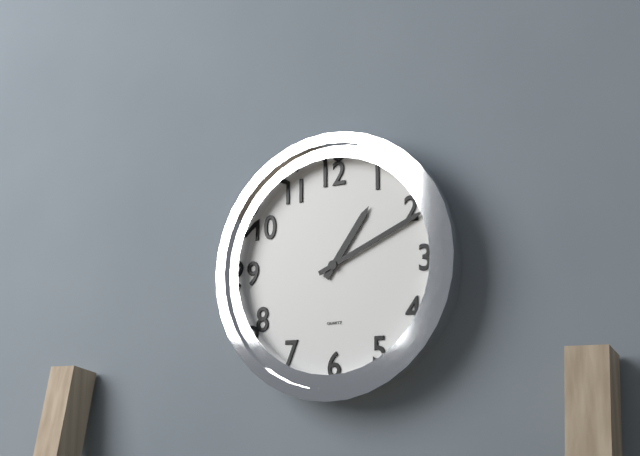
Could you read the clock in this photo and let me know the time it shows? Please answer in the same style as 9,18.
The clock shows 1,11
